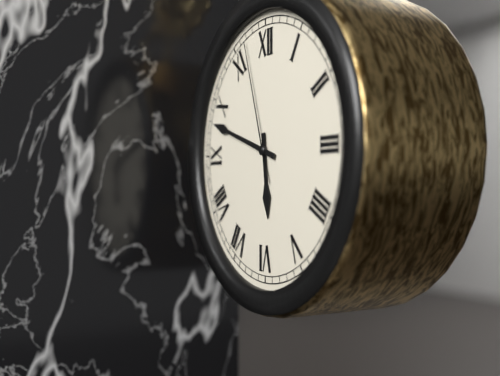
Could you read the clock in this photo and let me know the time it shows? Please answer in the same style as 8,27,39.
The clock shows 5,48,57
